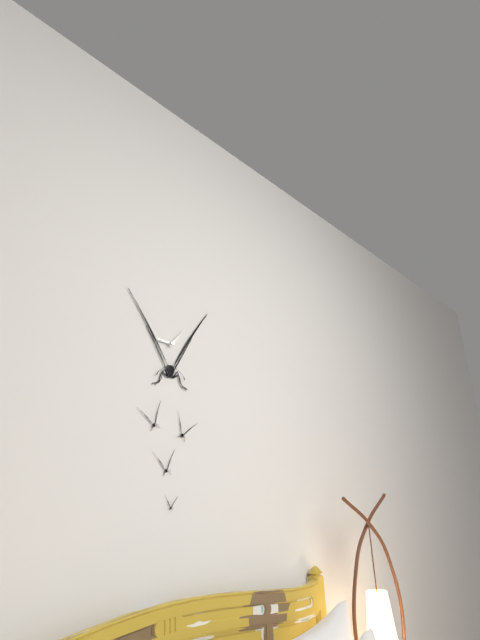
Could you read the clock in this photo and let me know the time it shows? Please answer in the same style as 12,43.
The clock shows 9,07
